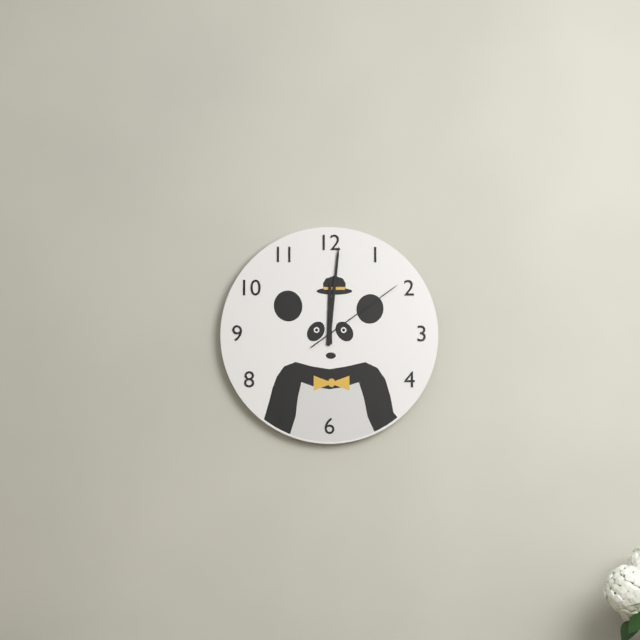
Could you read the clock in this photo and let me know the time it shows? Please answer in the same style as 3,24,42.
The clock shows 12,01,09
